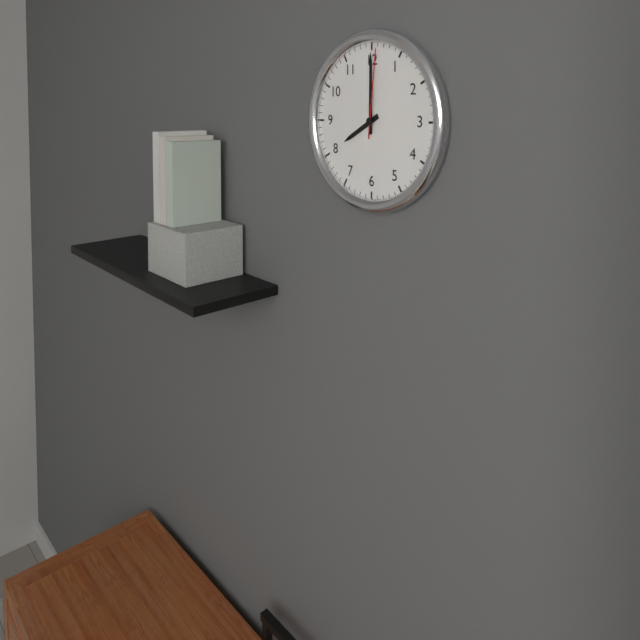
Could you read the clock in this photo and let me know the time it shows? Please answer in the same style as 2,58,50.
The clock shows 8,00,01
